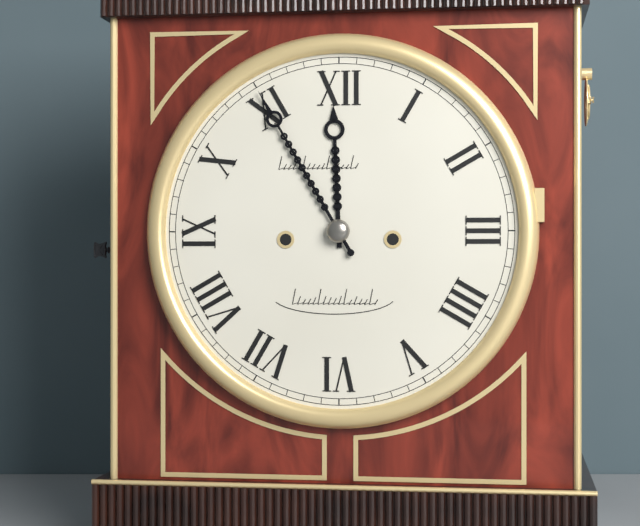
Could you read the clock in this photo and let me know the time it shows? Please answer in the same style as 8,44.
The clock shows 11,55
